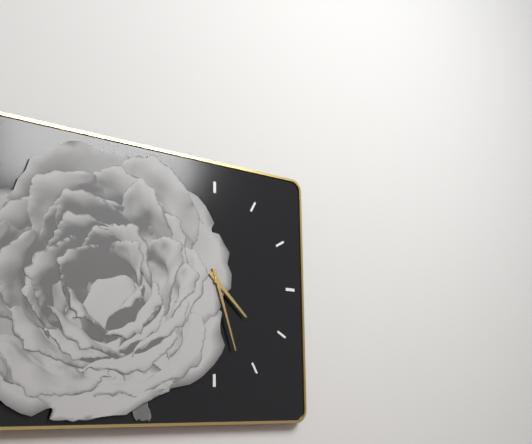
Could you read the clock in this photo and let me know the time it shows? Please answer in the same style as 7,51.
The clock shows 4,27
